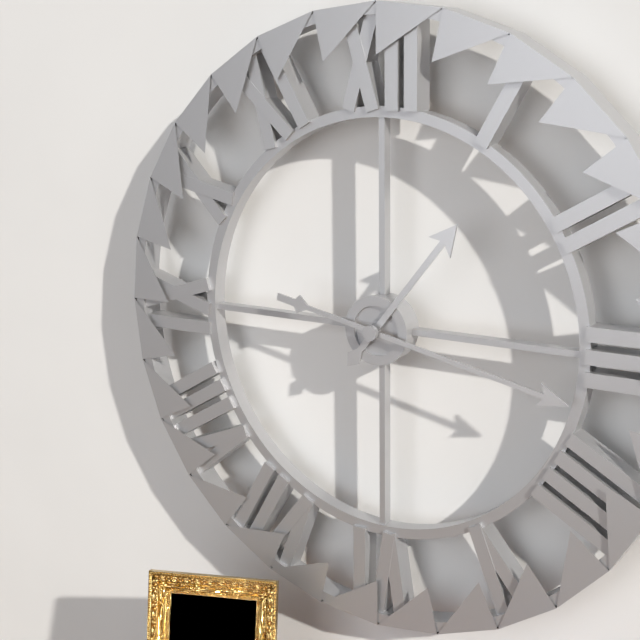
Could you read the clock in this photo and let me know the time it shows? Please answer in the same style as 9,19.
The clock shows 1,17
